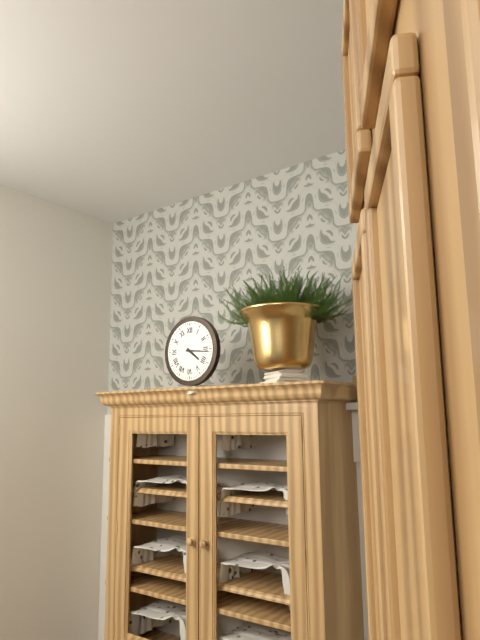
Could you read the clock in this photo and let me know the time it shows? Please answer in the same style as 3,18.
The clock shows 4,16
